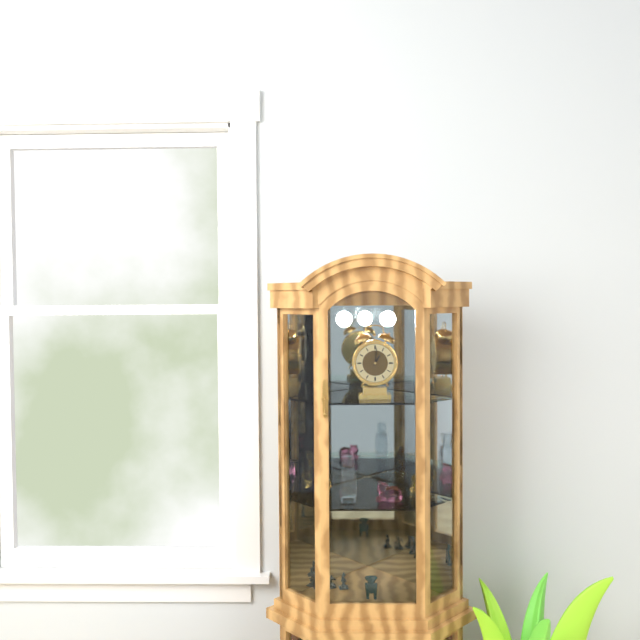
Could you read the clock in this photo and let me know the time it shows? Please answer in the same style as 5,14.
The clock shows 1,01
